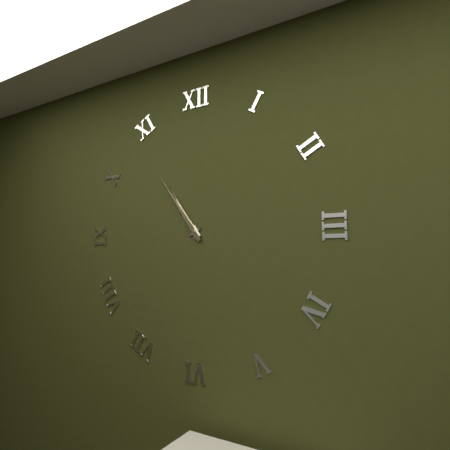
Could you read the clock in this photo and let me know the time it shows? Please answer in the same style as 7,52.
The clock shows 10,54
